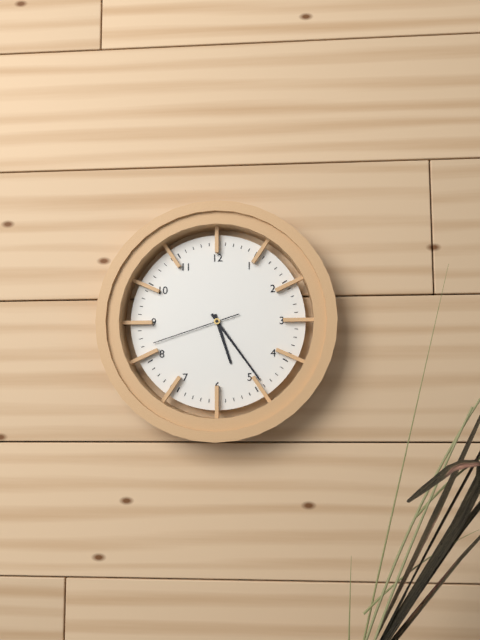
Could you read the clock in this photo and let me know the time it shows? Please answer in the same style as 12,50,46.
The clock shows 5,24,42
